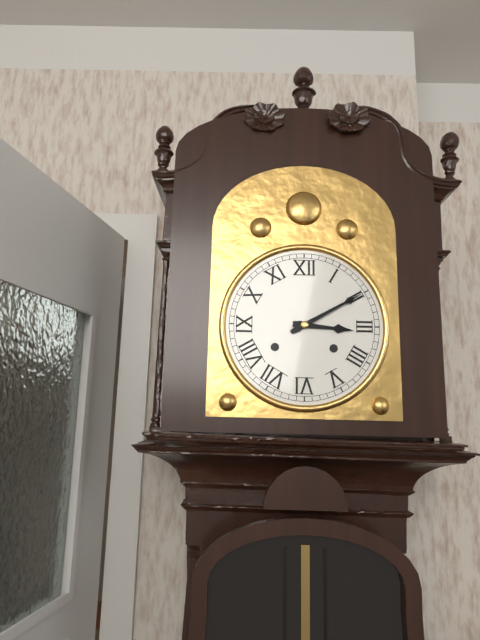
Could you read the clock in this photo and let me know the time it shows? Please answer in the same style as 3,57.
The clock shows 3,10
